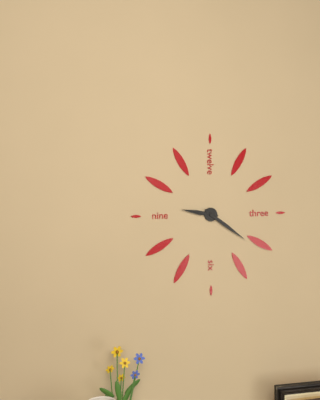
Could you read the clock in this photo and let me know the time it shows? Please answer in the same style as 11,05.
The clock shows 9,21
